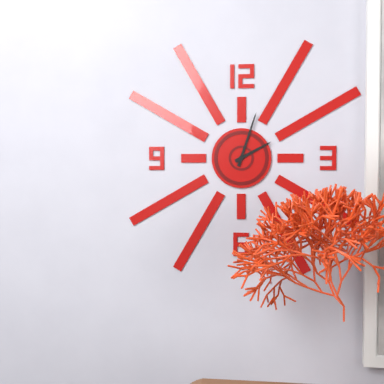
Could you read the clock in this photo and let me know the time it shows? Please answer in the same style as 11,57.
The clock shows 2,03
